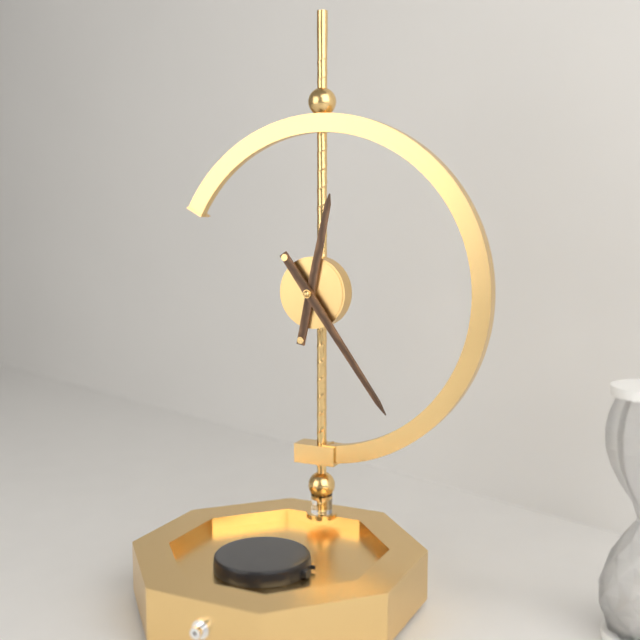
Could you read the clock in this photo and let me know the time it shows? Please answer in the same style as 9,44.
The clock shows 12,24
